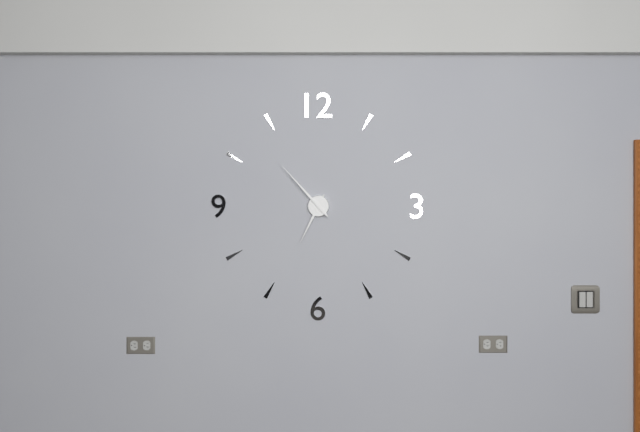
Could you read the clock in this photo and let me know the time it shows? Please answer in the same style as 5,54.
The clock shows 6,53
